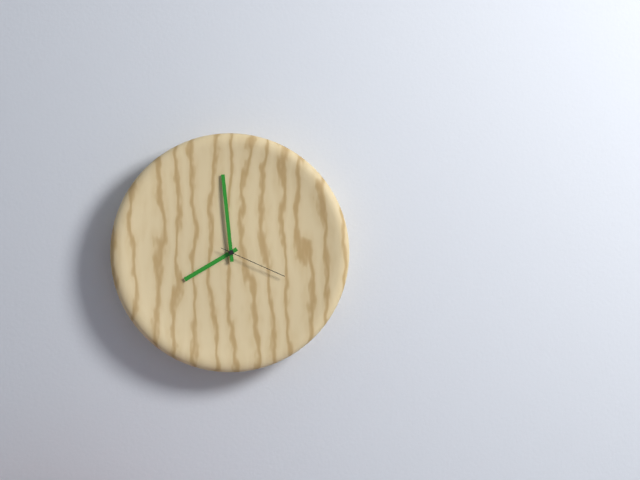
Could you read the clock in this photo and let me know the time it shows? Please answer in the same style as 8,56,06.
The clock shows 7,59,19
